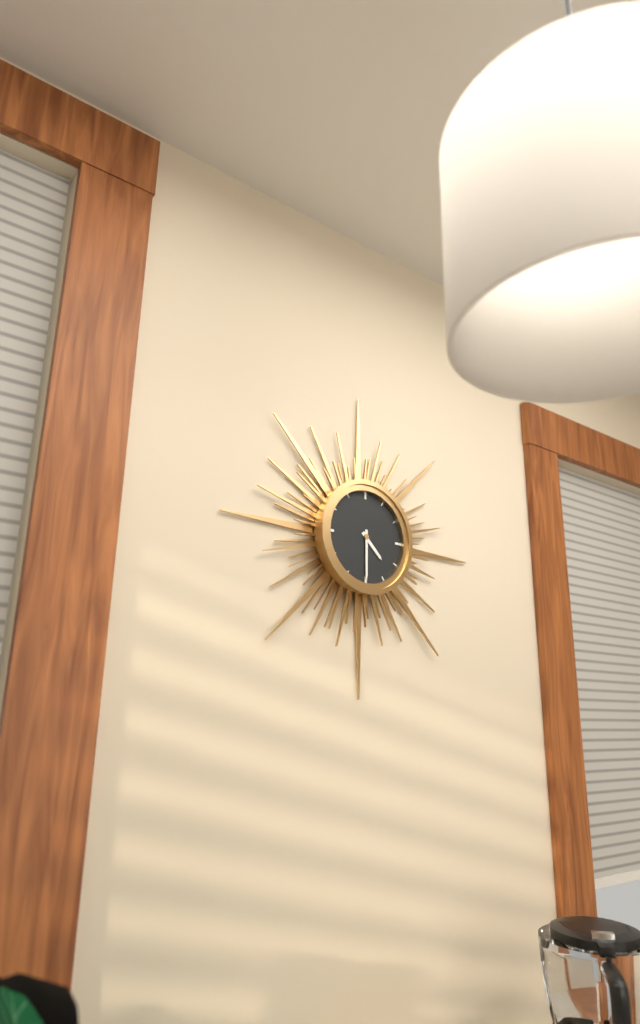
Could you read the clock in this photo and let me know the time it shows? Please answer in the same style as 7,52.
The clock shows 4,30
